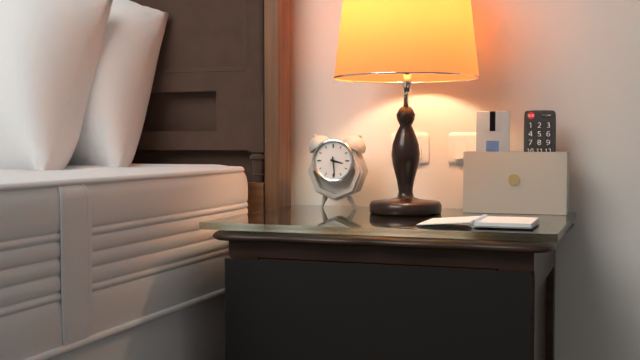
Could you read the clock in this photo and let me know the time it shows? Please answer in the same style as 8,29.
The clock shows 3,29
